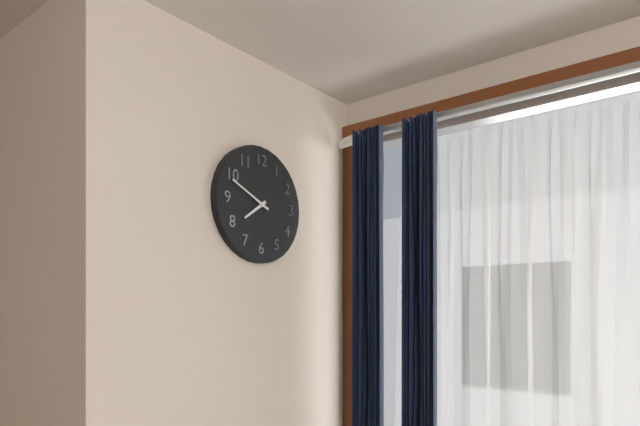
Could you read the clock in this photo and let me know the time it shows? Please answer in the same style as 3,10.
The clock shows 7,49
